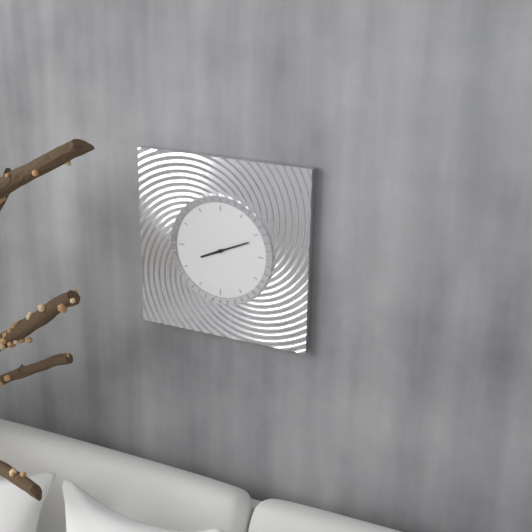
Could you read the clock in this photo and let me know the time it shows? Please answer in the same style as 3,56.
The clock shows 8,11
